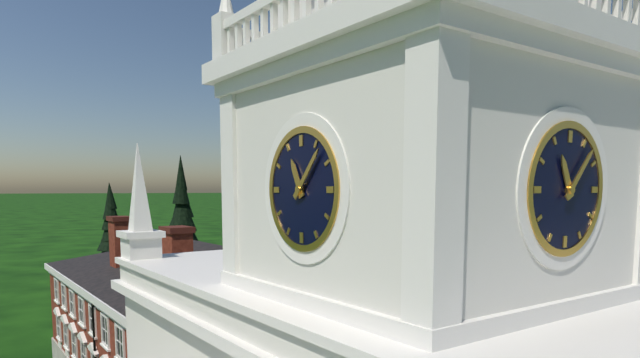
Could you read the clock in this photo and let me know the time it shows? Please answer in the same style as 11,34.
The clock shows 11,07
